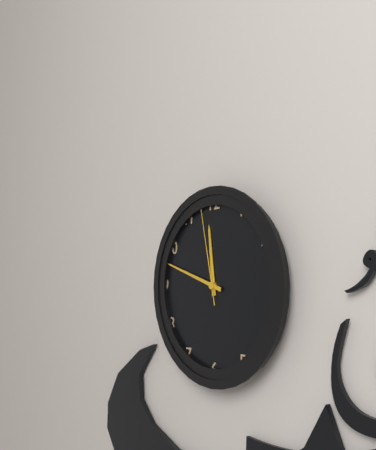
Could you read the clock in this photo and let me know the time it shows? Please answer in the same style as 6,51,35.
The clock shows 11,48,58
